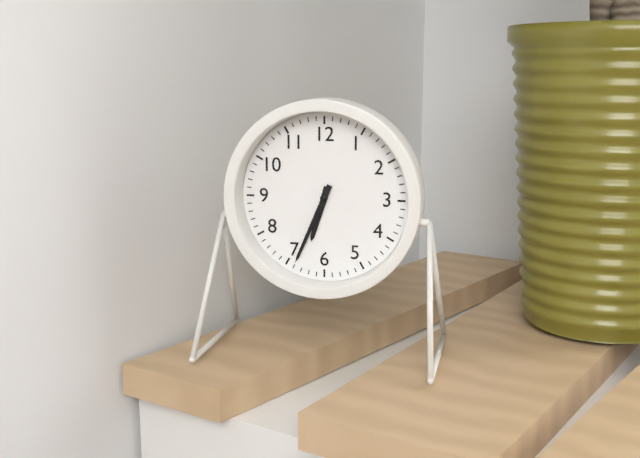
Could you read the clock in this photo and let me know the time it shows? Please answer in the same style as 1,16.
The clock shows 6,34
